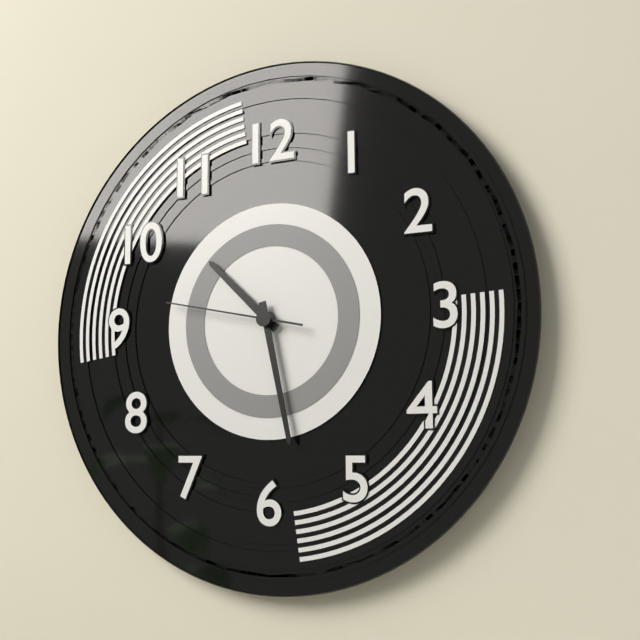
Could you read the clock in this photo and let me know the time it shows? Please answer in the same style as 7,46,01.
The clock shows 10,28,47
